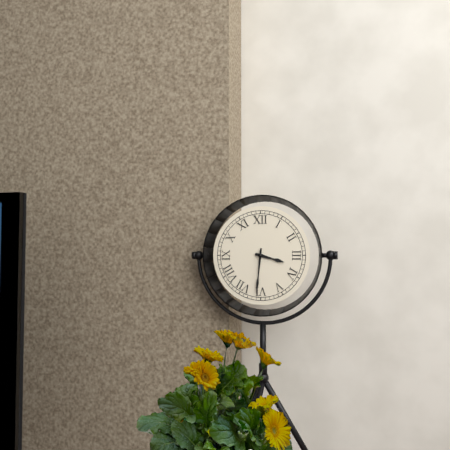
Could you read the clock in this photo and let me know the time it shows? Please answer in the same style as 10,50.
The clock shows 3,31
